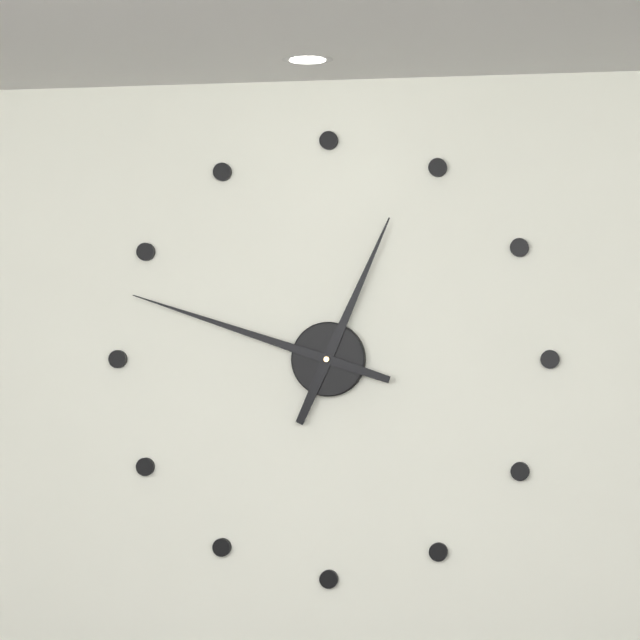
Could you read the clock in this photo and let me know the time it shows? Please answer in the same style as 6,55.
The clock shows 12,48
